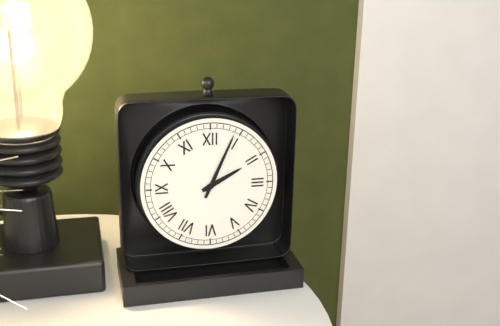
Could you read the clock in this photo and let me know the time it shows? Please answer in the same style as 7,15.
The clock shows 2,04
